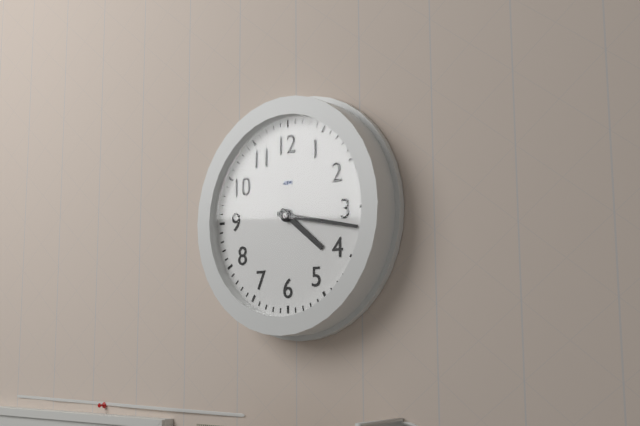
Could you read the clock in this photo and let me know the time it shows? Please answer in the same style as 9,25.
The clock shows 4,17
